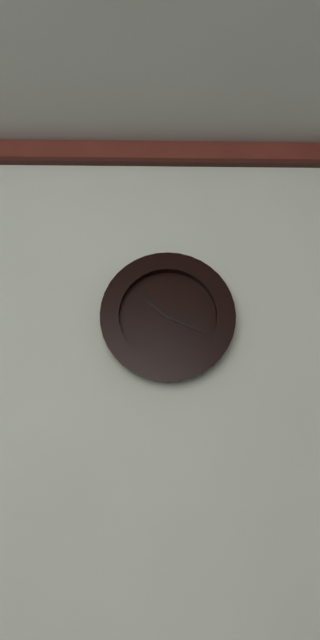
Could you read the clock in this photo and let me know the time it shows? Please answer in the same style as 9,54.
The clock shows 10,19
